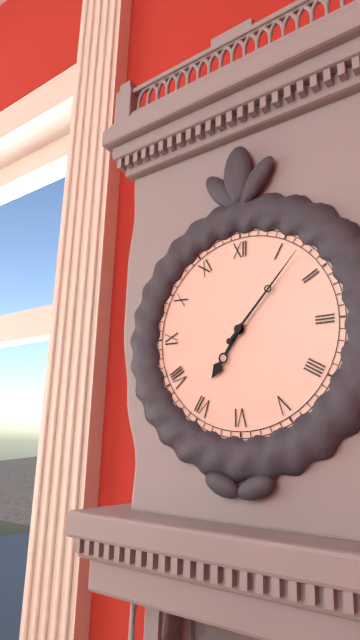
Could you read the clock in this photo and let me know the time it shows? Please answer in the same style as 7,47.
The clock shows 7,07
